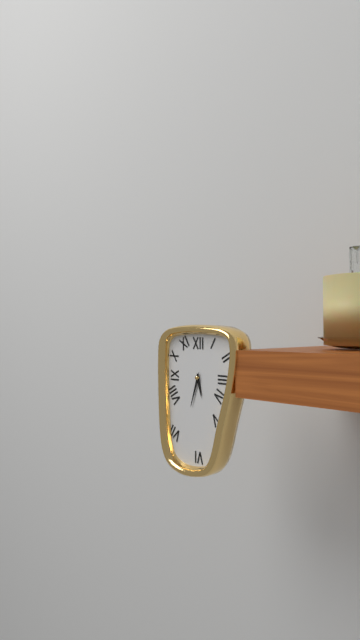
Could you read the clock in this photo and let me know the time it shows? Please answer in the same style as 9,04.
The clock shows 5,33
